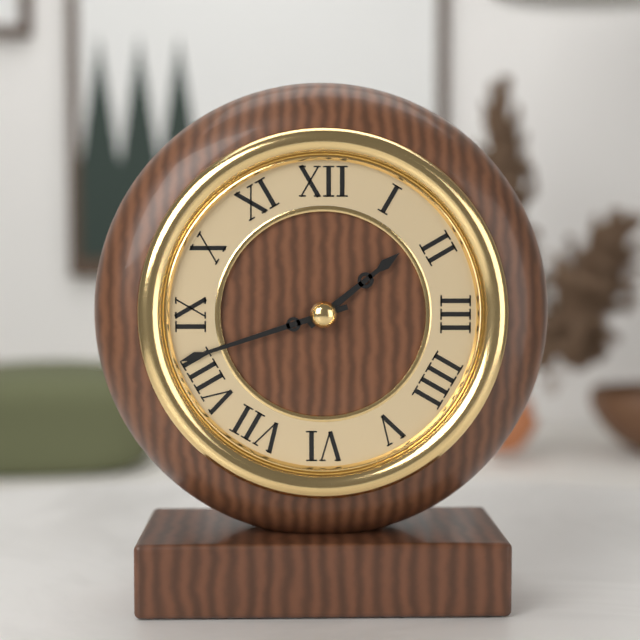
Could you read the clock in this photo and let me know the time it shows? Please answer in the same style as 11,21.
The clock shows 1,42
